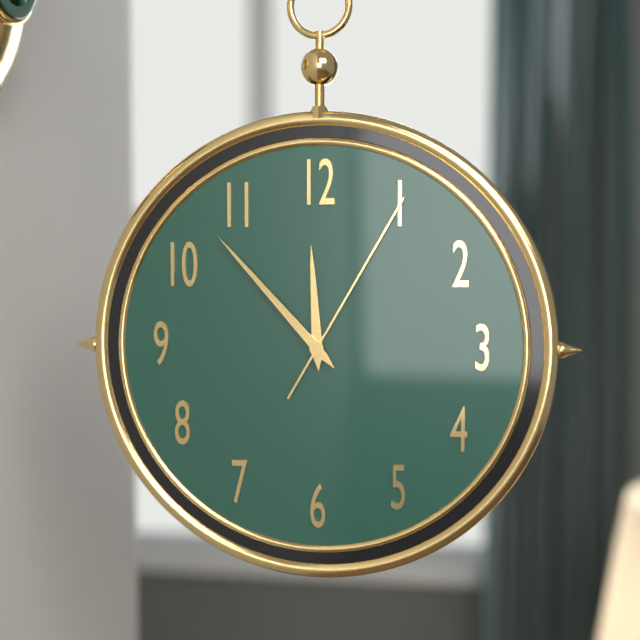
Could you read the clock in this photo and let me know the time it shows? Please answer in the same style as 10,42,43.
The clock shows 11,53,05
